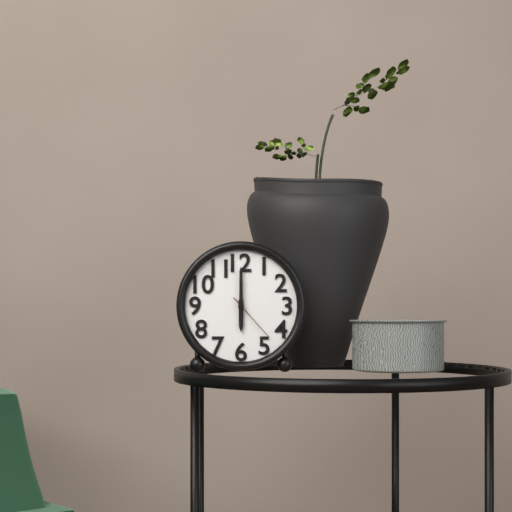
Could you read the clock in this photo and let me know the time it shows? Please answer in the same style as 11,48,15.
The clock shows 6,00,23
